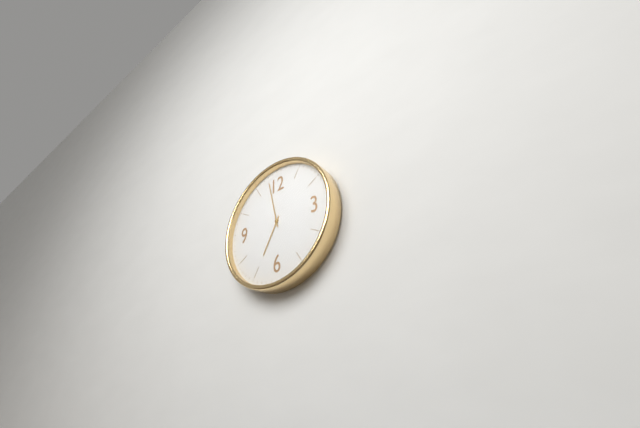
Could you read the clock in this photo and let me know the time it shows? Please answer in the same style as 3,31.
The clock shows 6,58
